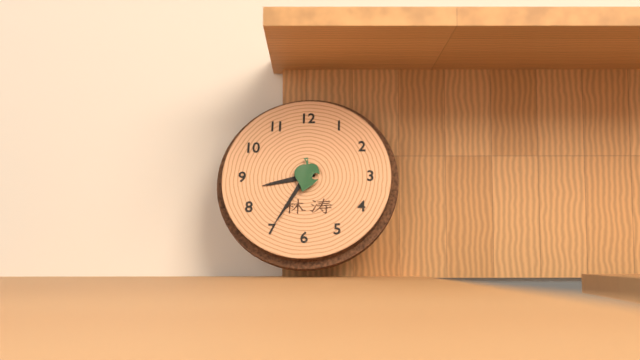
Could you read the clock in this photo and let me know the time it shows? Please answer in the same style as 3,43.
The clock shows 8,35
